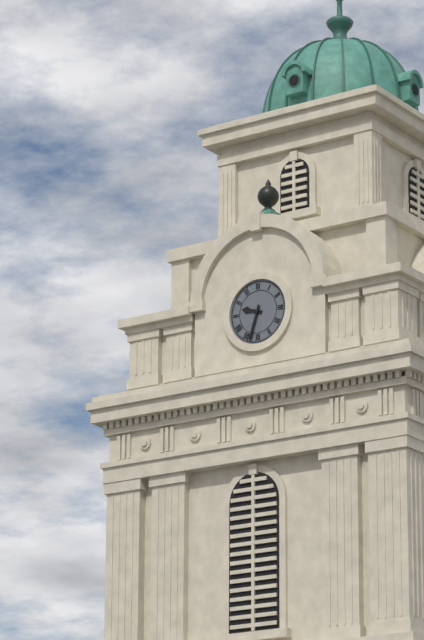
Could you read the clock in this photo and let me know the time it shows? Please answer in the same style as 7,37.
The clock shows 9,33
